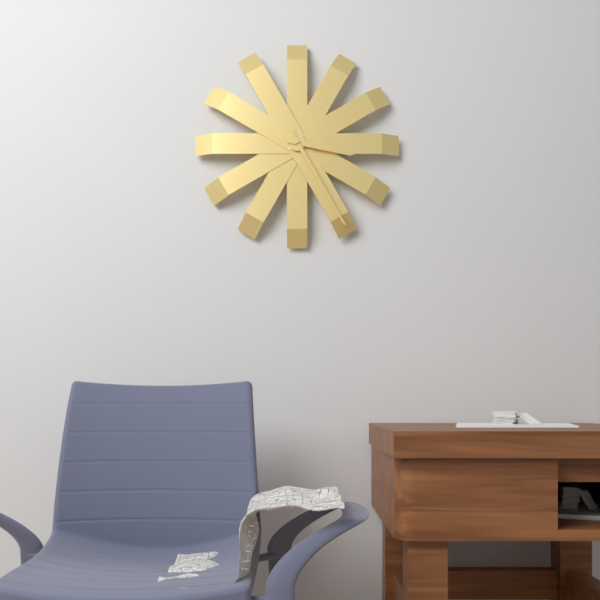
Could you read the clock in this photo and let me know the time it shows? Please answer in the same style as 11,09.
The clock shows 3,25
